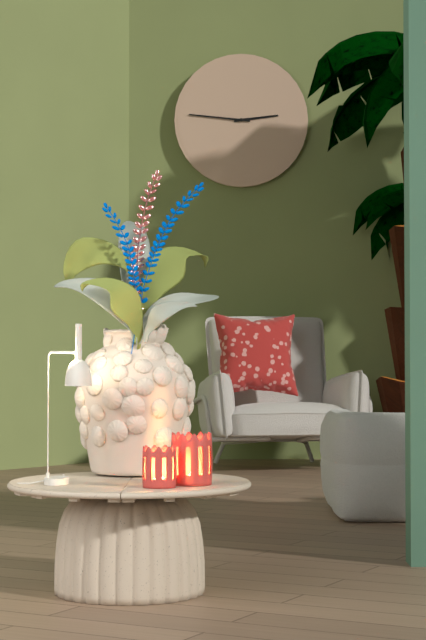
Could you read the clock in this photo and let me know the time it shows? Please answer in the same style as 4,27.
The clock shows 2,46
